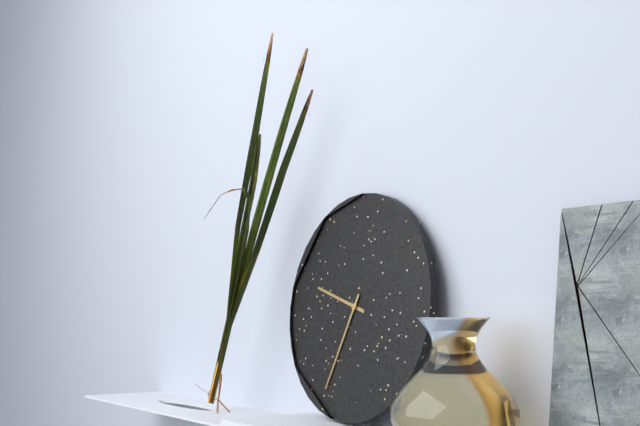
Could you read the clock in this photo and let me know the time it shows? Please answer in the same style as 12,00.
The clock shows 9,34
